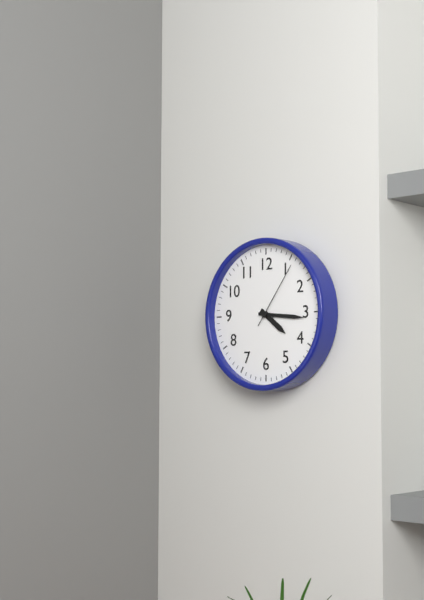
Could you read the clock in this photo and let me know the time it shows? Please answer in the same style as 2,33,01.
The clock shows 4,16,06
